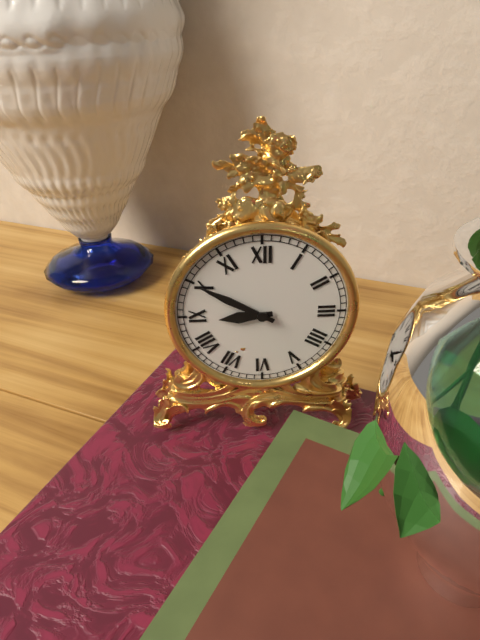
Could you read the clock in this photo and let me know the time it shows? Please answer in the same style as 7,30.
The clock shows 8,50
